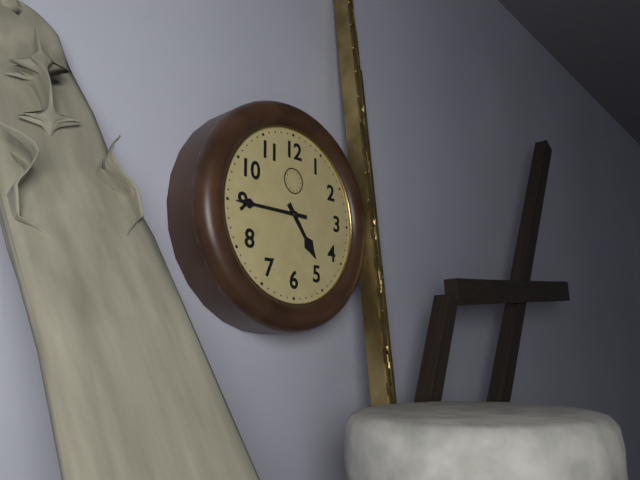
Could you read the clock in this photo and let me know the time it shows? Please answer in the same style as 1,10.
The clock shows 4,45
